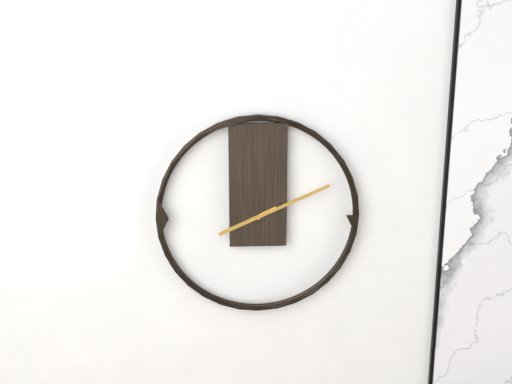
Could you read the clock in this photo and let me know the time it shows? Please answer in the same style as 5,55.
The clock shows 8,11
